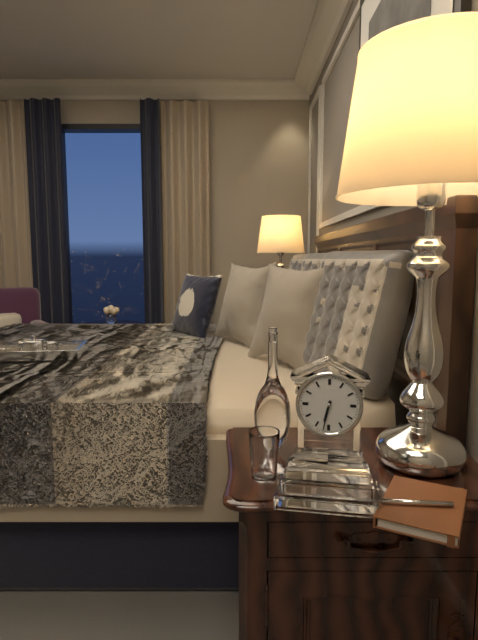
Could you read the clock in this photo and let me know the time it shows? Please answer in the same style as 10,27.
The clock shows 6,32
